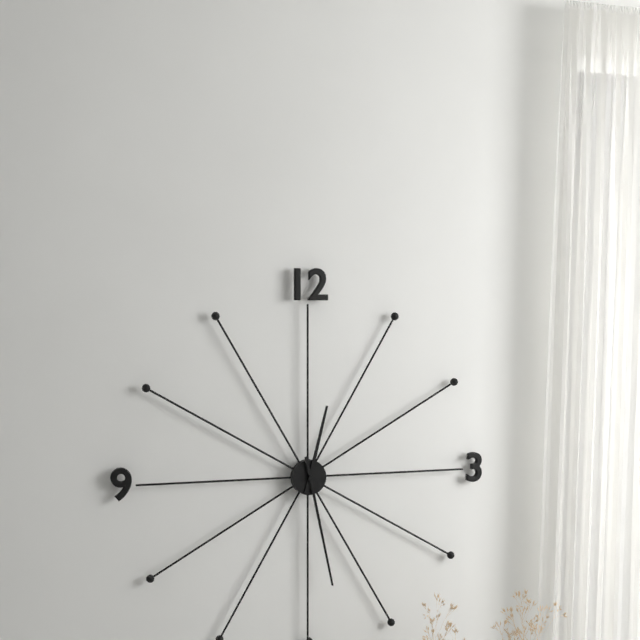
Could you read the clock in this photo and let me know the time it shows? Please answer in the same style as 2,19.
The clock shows 12,28
